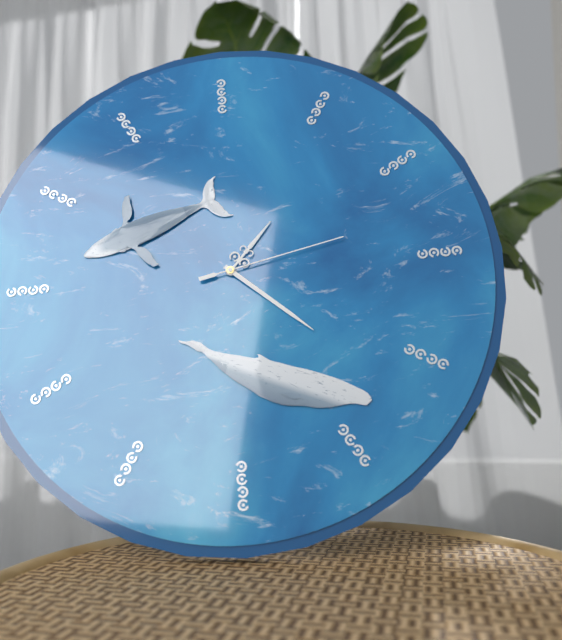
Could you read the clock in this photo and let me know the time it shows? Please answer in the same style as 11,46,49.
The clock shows 1,22,13
